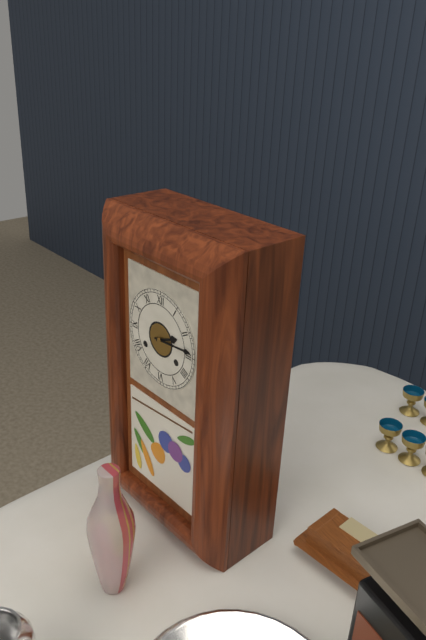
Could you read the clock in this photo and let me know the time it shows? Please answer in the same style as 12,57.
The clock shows 2,14
